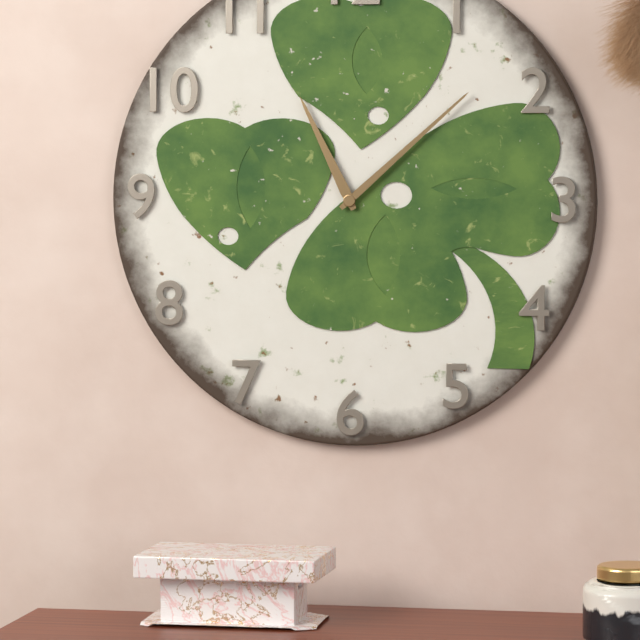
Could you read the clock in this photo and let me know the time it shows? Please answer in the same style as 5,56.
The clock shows 11,08
